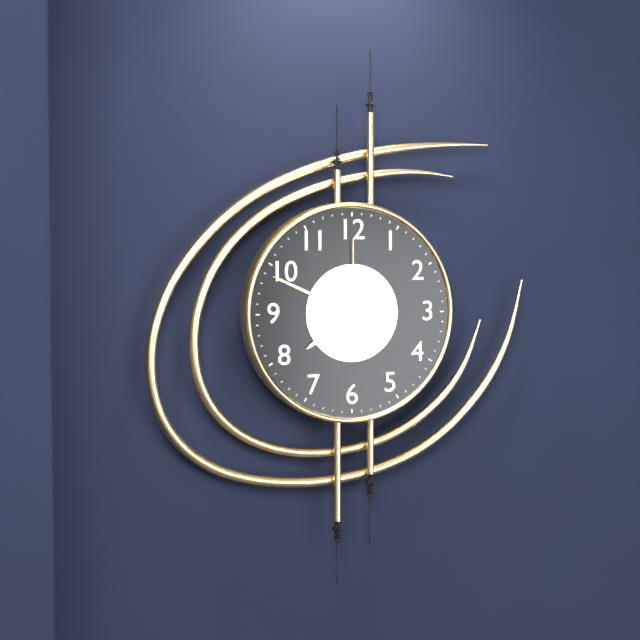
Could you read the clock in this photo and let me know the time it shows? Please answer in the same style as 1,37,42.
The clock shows 7,49,00
